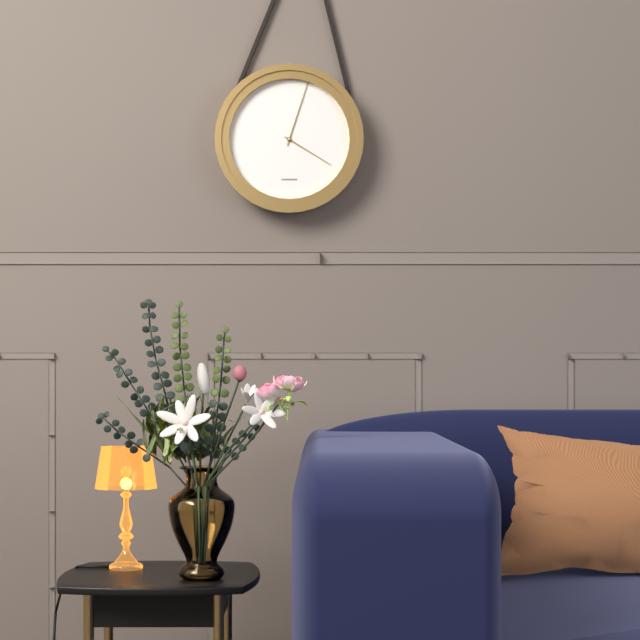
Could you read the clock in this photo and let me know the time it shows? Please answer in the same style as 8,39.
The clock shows 4,03
